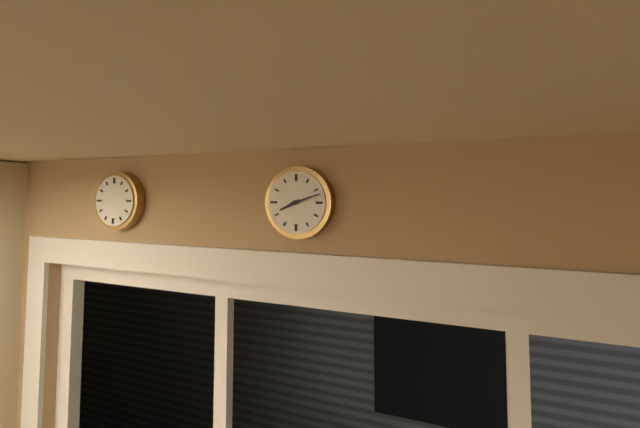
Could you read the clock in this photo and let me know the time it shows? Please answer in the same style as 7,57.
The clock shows 8,12
